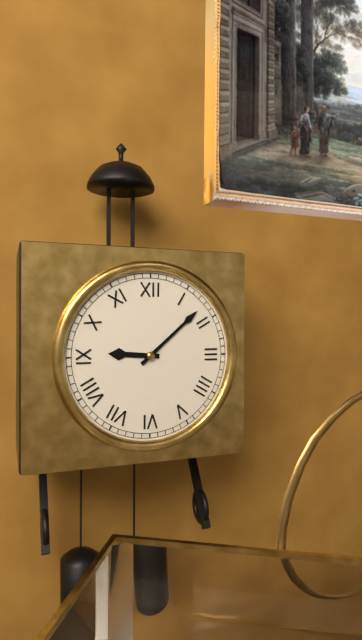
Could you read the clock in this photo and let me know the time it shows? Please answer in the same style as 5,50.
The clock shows 9,08
